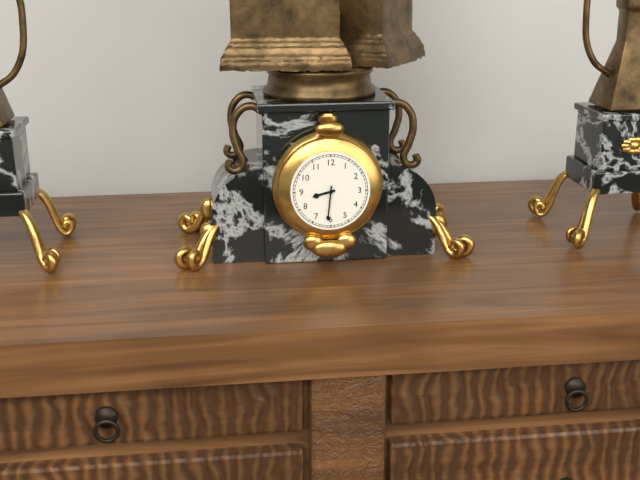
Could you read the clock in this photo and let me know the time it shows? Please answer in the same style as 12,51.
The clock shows 8,31
